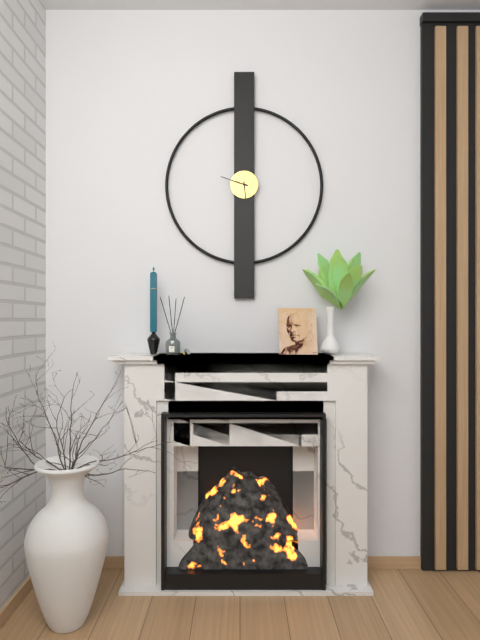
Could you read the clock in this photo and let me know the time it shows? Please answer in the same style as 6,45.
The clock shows 5,48
